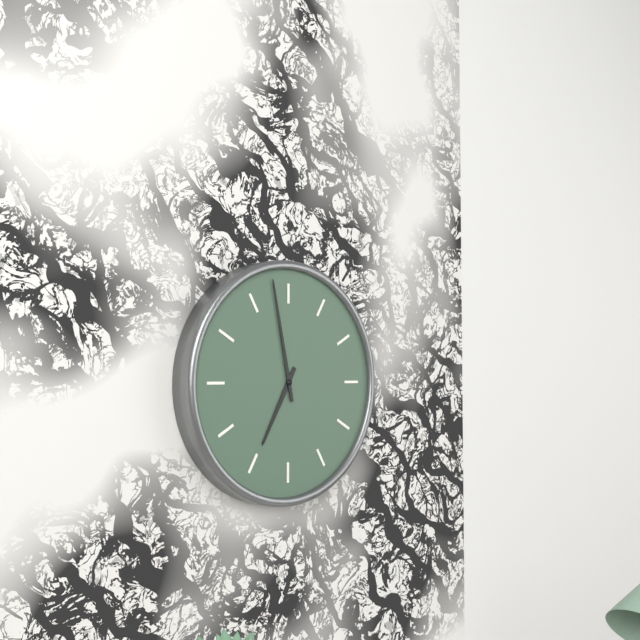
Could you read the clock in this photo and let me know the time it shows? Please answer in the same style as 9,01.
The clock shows 6,58
